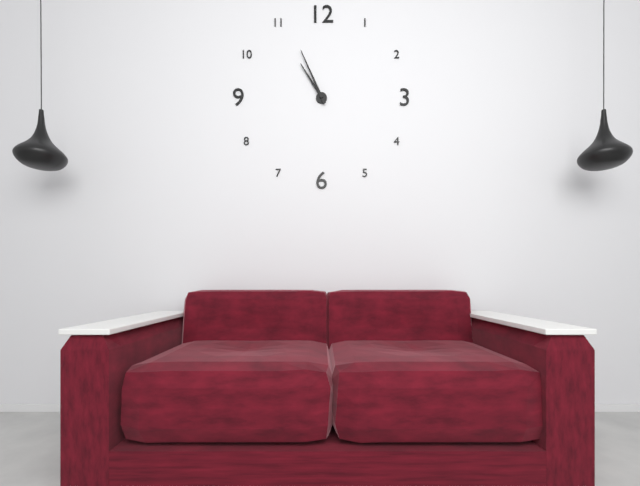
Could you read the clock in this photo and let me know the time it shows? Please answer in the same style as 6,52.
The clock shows 10,56
